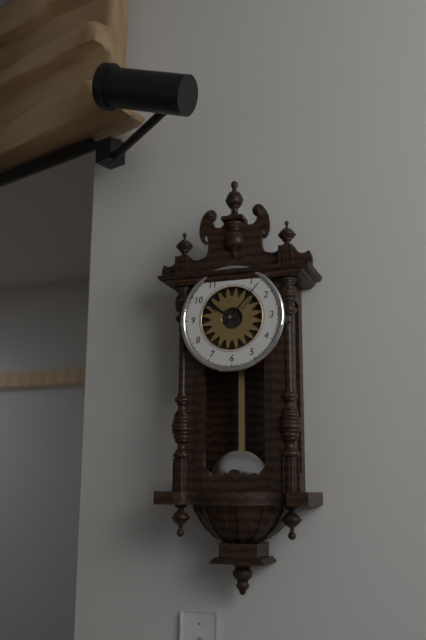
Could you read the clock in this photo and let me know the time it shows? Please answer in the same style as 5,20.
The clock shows 10,07
